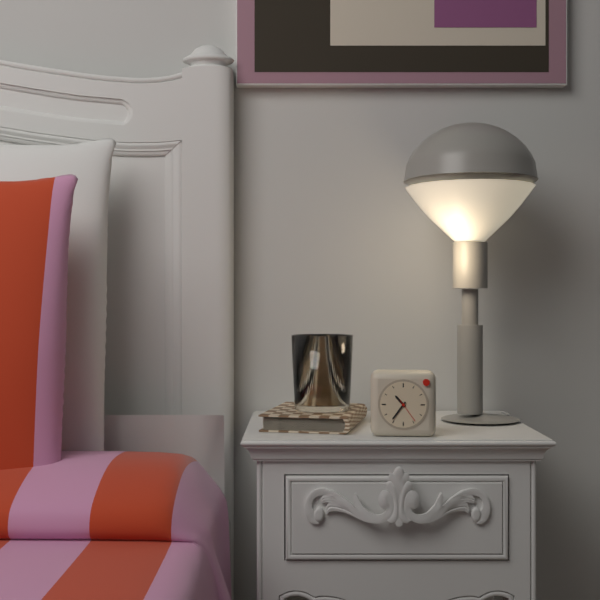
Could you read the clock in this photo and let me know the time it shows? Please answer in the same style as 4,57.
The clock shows 10,36
